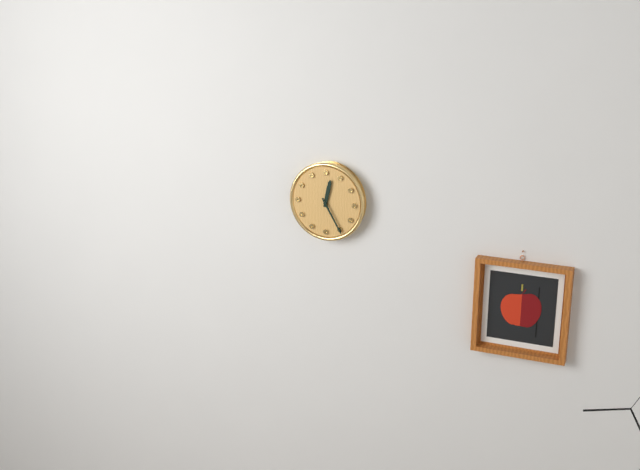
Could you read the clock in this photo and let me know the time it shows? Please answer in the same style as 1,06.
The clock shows 12,25
